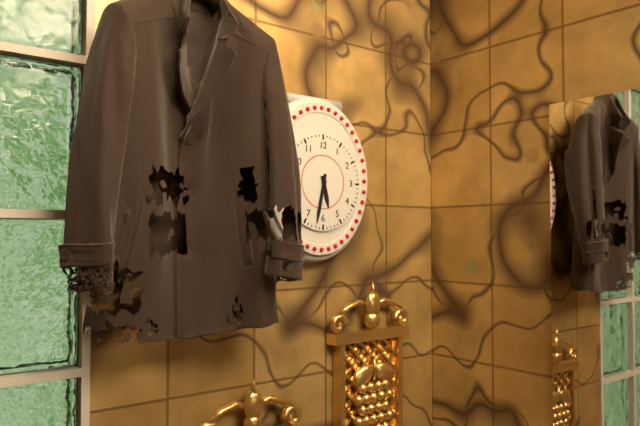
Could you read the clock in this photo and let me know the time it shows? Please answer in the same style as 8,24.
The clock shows 5,32
